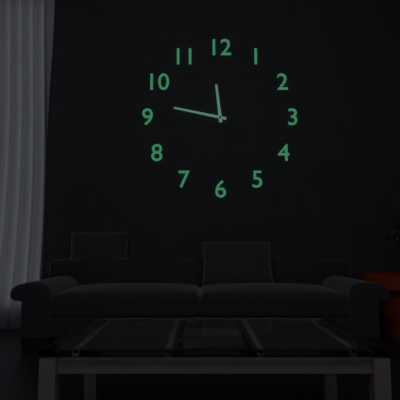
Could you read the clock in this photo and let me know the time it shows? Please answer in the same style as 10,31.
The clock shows 11,47
